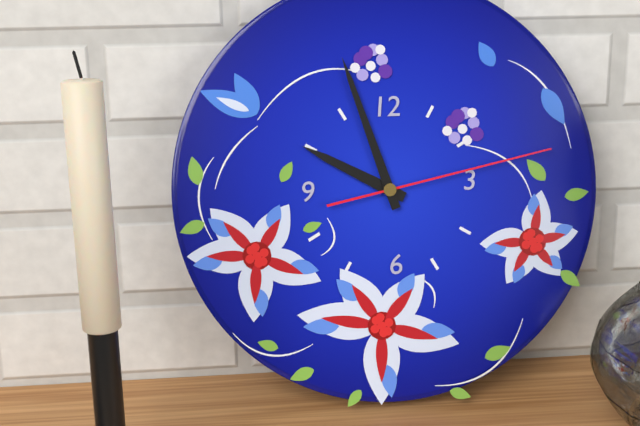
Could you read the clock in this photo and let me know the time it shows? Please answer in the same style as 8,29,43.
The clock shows 9,57,13
